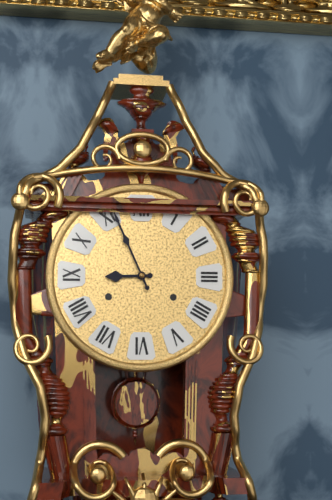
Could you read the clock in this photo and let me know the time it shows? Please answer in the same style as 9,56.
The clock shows 8,56
